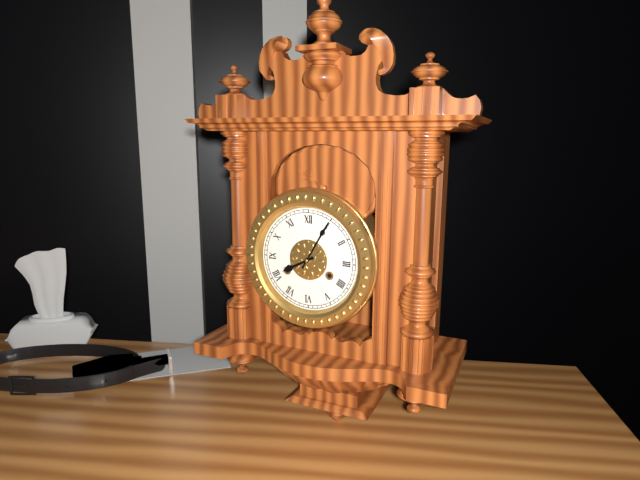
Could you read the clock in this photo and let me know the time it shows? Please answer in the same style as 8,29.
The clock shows 8,05
